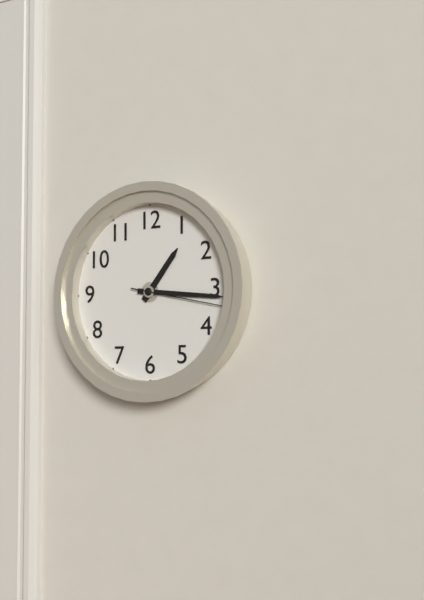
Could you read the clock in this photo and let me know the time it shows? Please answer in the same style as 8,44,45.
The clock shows 1,16,17
